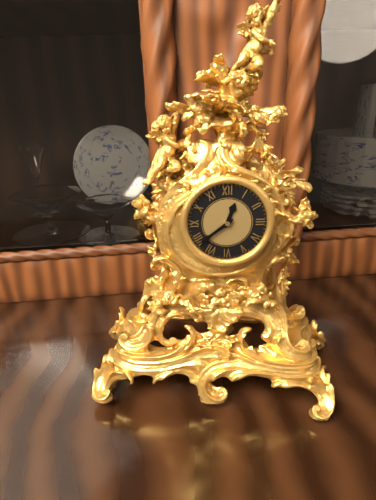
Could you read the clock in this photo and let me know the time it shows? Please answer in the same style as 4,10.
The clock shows 12,39
